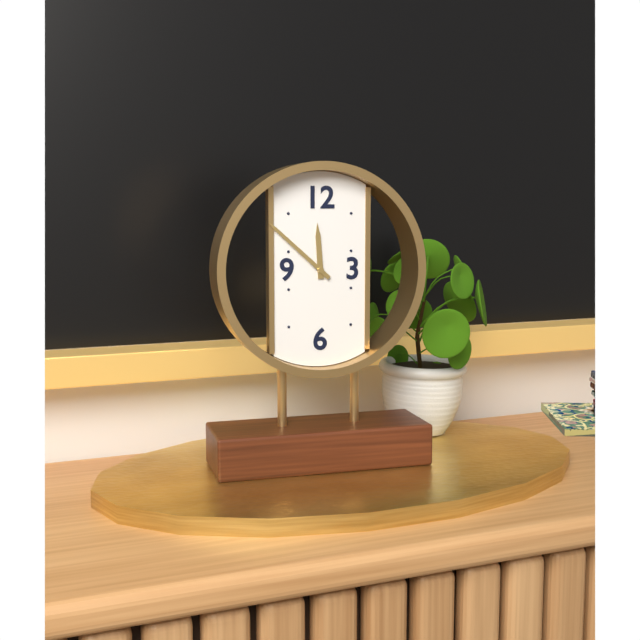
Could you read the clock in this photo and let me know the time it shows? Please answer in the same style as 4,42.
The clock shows 11,52
